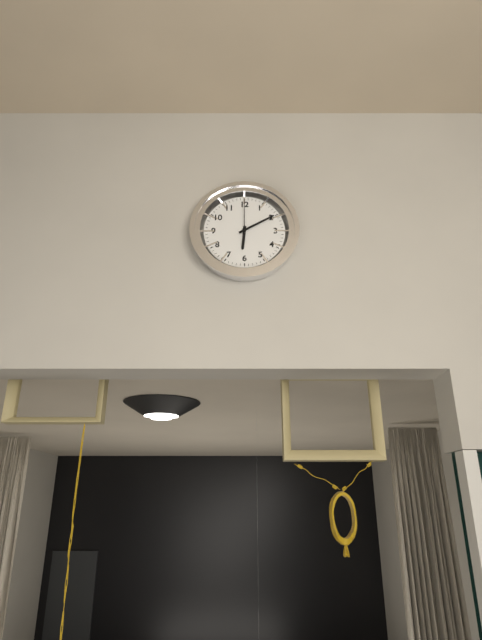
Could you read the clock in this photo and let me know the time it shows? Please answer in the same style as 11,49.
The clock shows 6,10
